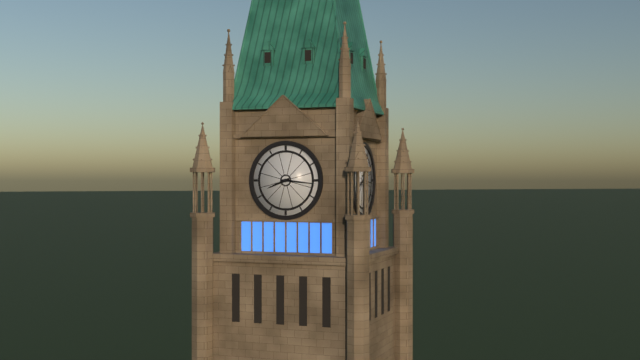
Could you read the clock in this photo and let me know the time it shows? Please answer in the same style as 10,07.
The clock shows 8,16
